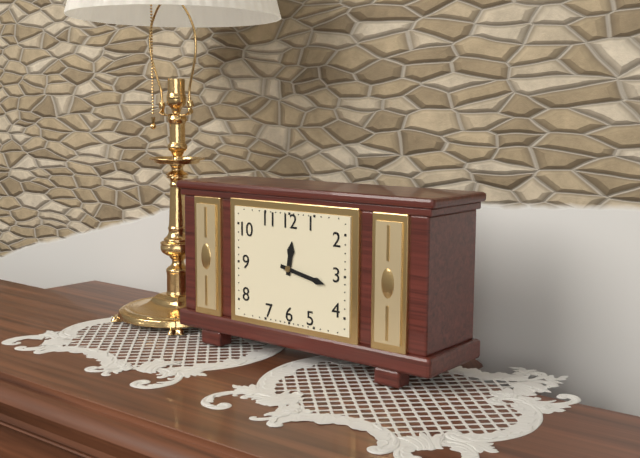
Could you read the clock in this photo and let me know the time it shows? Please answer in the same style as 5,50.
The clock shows 12,17
